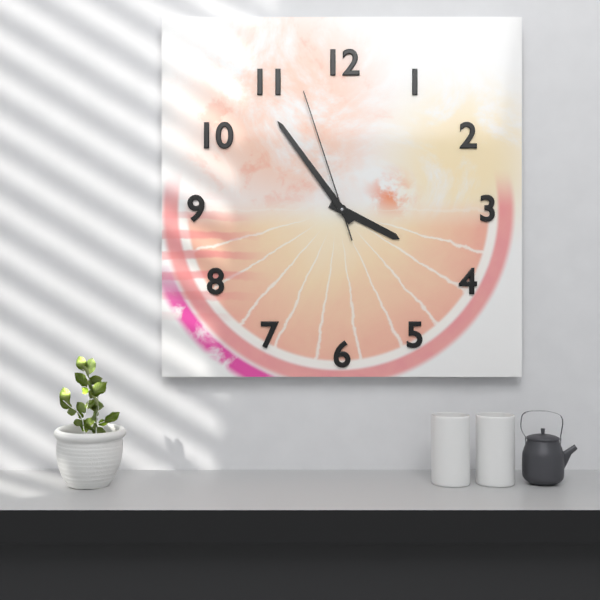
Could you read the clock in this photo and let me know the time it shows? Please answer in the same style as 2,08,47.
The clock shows 3,54,57
